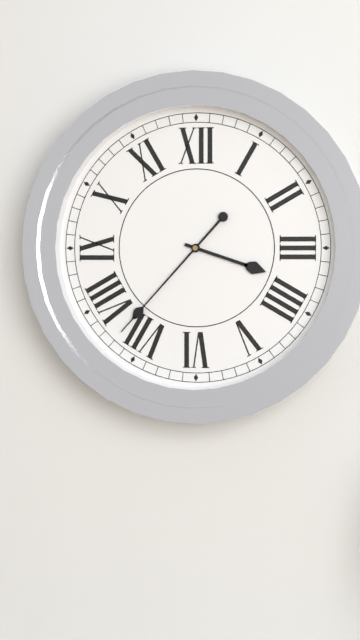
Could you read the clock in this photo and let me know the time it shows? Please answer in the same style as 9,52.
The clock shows 3,37
